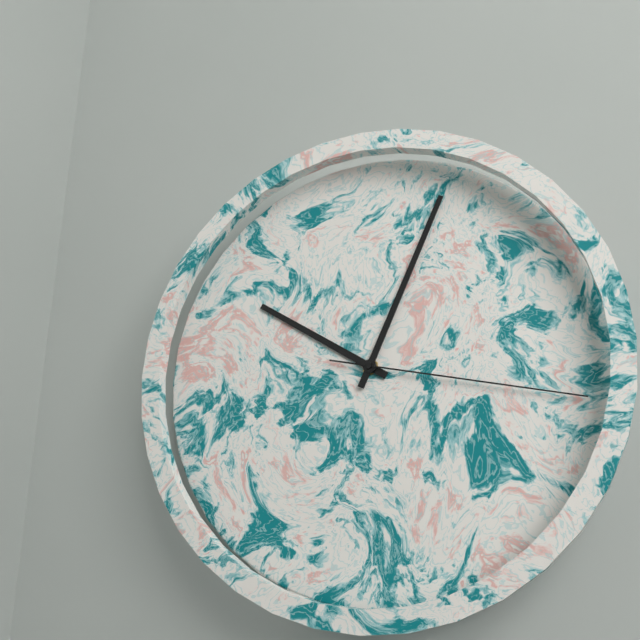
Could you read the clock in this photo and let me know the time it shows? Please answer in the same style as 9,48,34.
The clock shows 10,04,17
